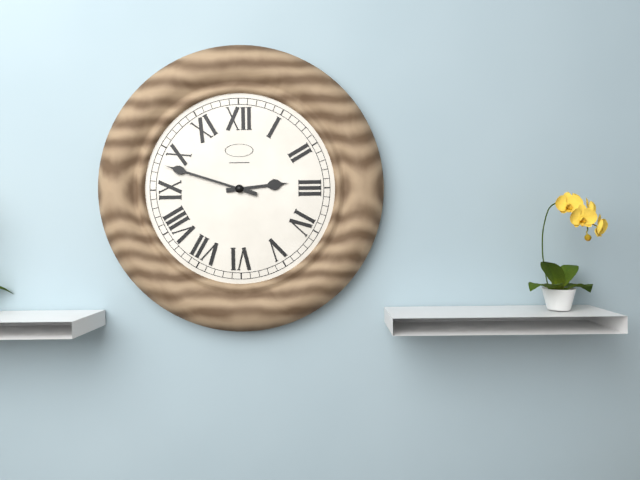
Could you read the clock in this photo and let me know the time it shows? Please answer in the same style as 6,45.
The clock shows 2,48
